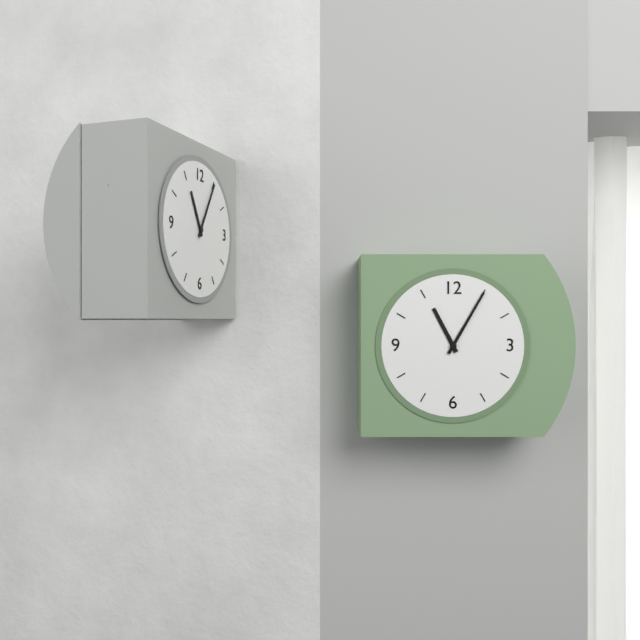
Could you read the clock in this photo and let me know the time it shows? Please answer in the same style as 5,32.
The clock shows 11,05
